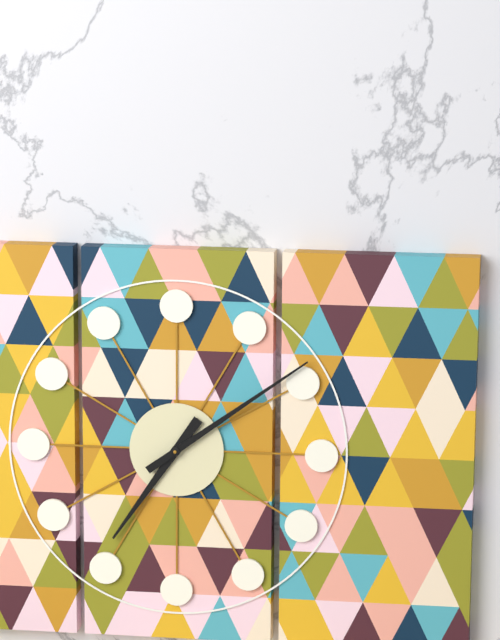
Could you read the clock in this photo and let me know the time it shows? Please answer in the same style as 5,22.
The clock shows 7,09
